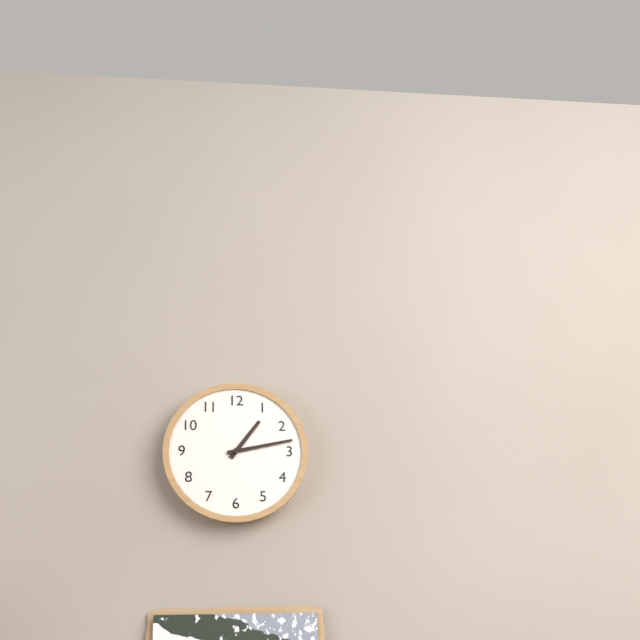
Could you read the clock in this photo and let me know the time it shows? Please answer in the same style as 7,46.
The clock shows 1,13
